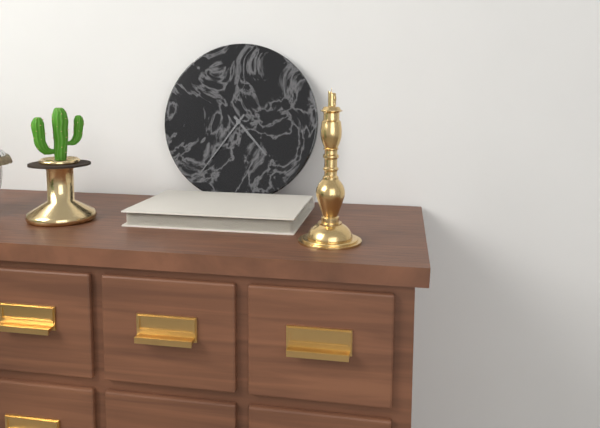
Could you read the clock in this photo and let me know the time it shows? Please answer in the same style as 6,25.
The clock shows 4,36
